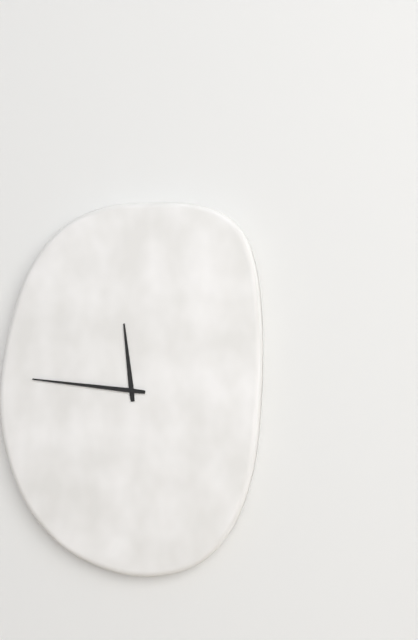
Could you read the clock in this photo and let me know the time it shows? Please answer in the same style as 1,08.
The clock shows 11,46
